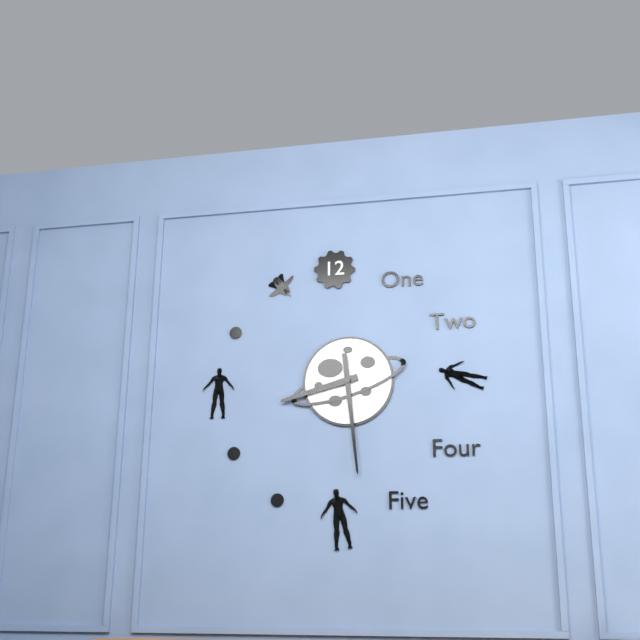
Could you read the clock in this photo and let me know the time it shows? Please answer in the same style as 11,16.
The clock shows 8,29
